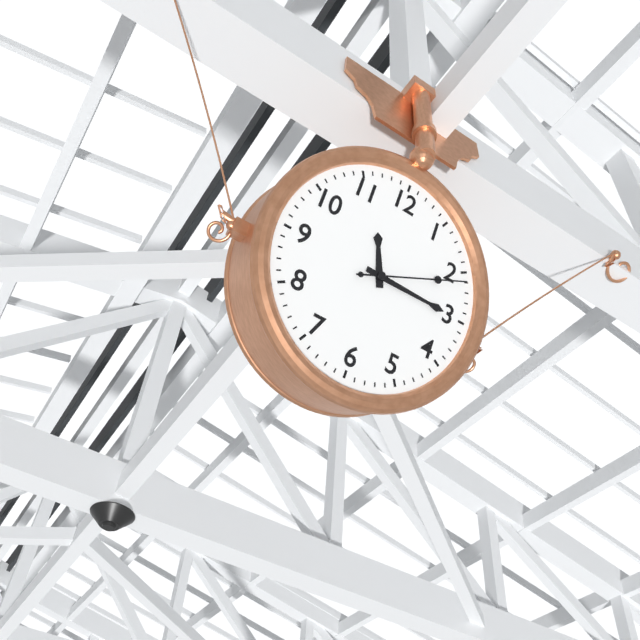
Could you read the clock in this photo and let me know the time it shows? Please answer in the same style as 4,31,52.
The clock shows 11,15,11
